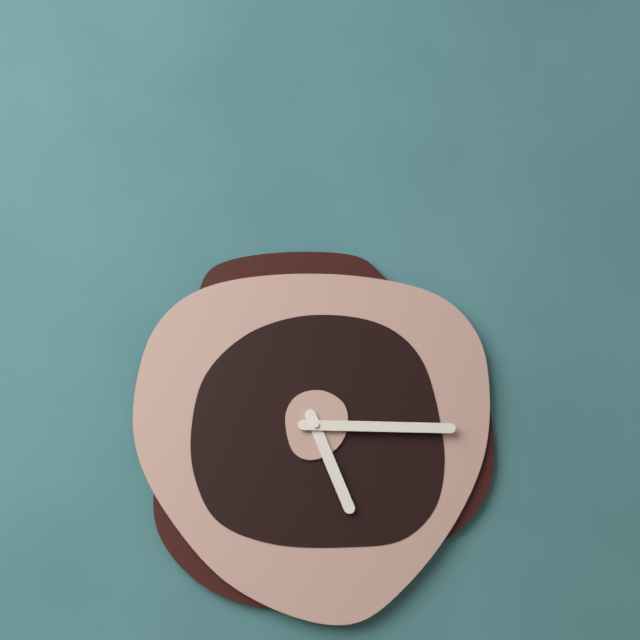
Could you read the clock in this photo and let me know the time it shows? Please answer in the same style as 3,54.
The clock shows 5,15
